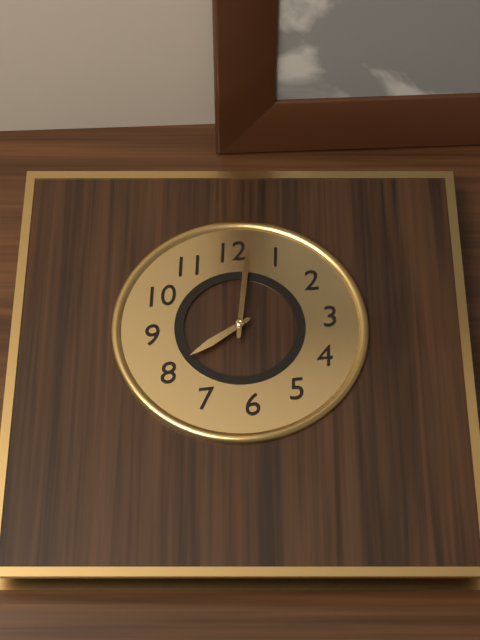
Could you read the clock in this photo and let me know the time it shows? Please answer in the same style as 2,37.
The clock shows 8,02
